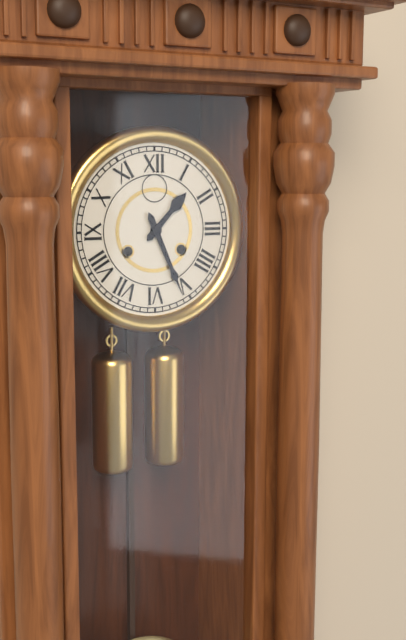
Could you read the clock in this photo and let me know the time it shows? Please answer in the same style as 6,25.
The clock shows 1,26
